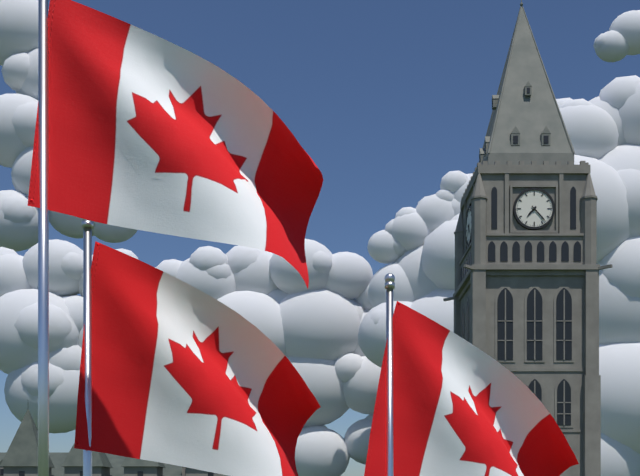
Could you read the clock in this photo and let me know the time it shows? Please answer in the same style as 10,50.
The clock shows 7,23
